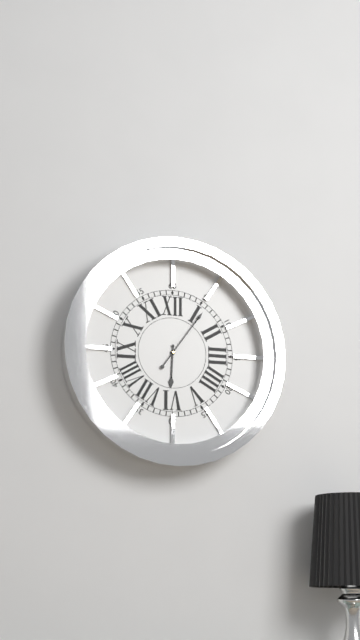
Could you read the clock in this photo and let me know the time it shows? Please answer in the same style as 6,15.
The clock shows 6,06
